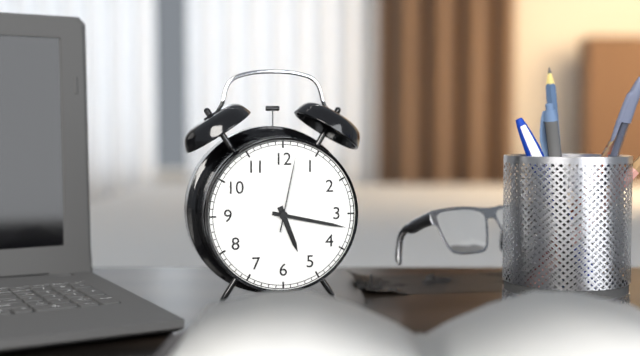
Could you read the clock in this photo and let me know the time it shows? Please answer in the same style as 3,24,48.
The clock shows 5,17,02
